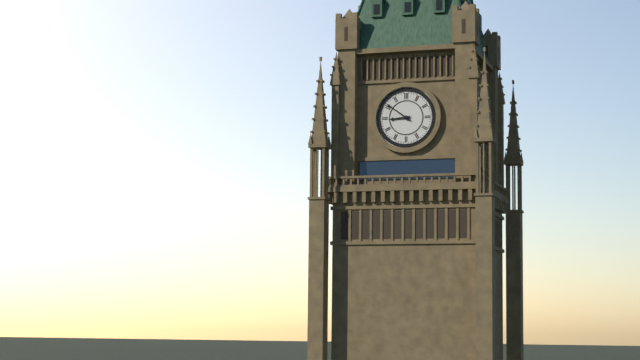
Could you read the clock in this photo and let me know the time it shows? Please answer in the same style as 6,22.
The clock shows 8,51
